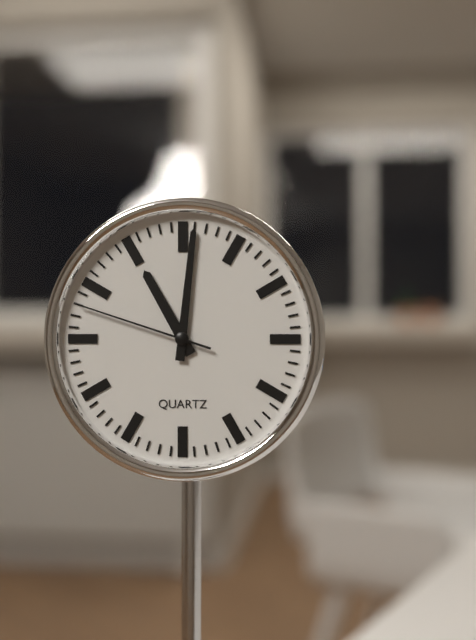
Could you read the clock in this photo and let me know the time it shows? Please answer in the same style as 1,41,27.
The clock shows 11,01,48
